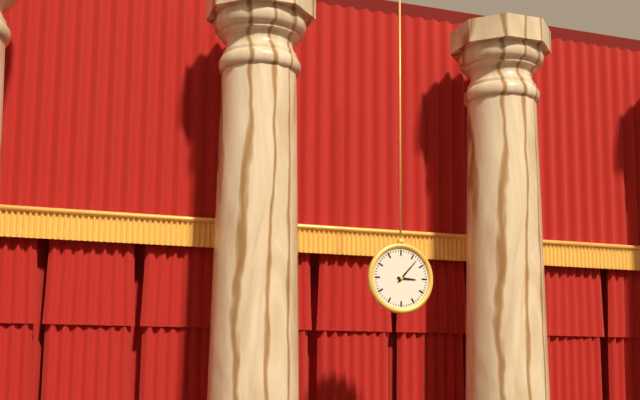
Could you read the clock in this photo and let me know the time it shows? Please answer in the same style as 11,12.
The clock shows 3,07
